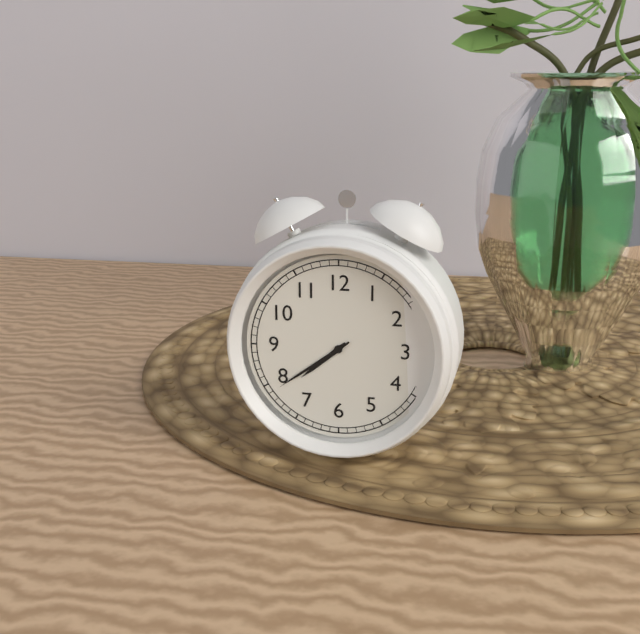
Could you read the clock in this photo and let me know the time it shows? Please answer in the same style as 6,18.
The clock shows 7,39
